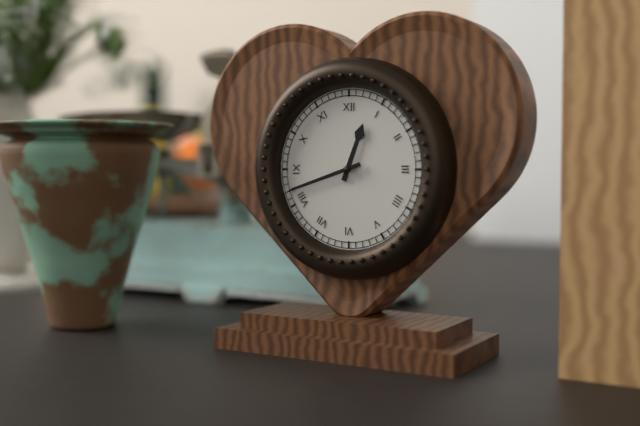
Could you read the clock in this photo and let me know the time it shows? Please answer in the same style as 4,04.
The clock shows 12,42
